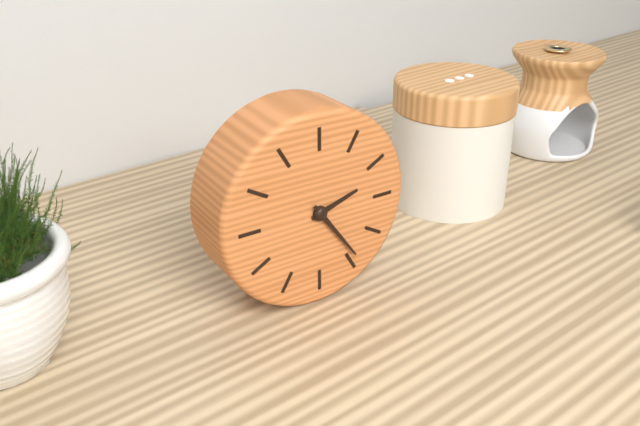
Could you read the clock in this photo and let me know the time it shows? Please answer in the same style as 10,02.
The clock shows 2,24
